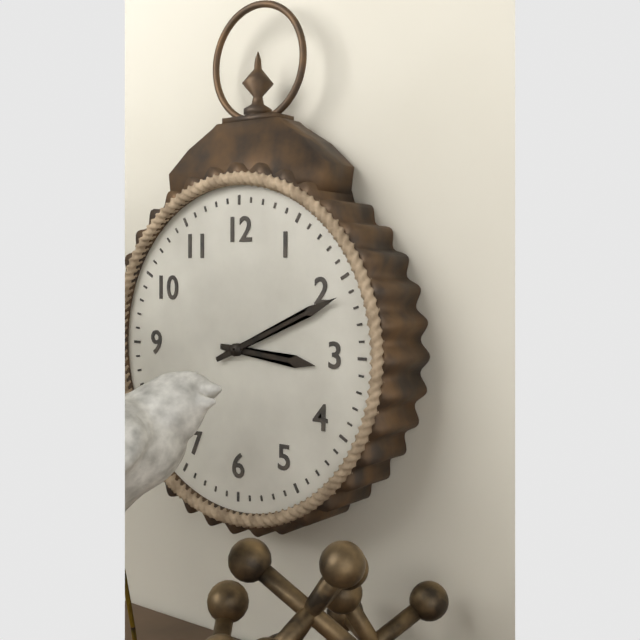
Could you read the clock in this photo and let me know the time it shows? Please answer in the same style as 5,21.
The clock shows 3,11
